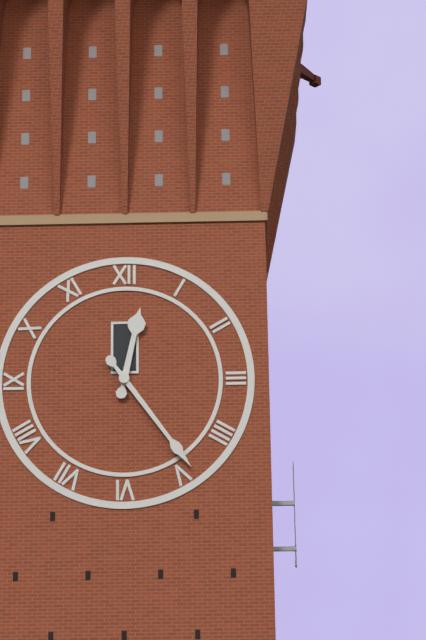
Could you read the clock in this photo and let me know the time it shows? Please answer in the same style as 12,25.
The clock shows 12,24
